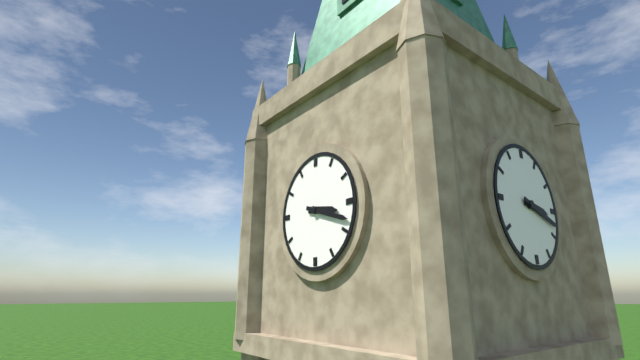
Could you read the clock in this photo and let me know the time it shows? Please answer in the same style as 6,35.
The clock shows 3,18
